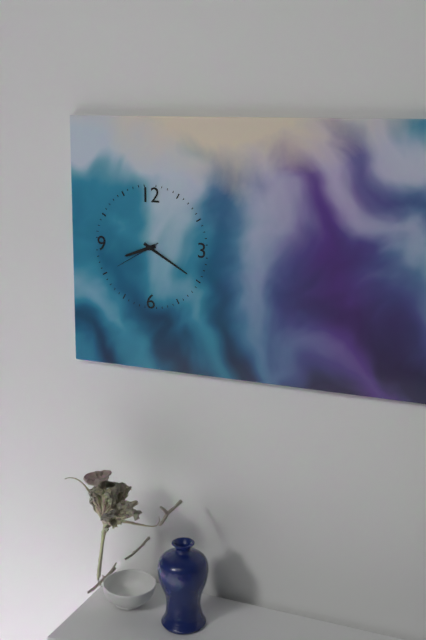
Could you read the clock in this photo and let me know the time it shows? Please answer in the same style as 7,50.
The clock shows 8,20
